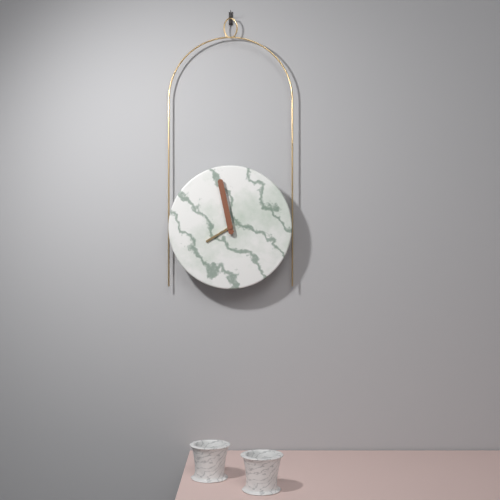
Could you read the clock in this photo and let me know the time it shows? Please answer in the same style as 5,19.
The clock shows 7,58
